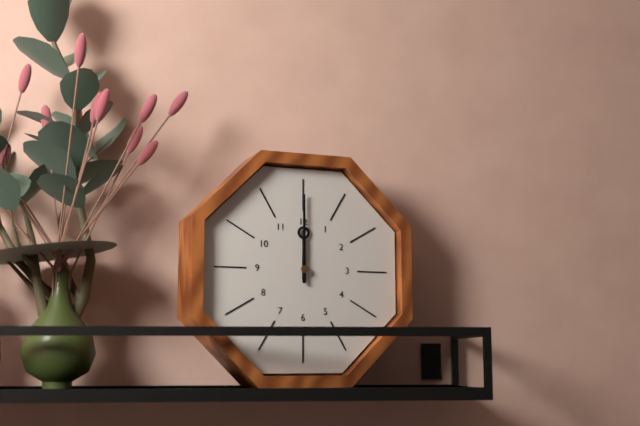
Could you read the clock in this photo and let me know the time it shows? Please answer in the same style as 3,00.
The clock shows 12,00
